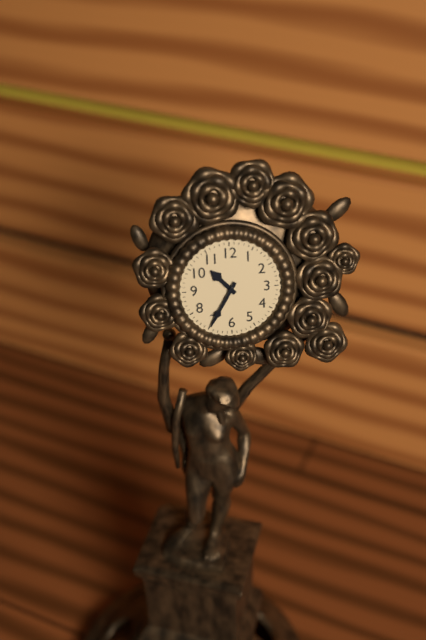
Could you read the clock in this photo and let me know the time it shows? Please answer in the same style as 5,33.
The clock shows 10,35
